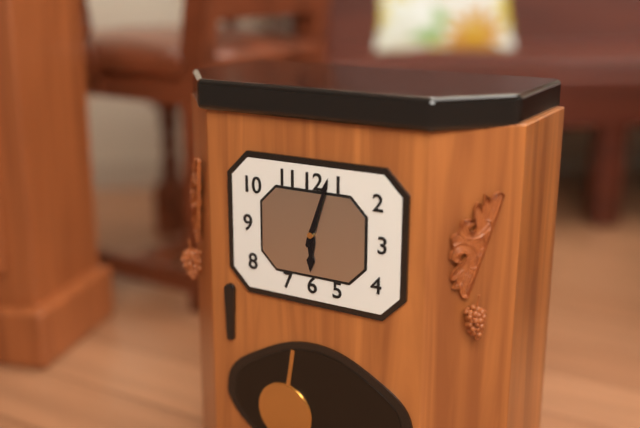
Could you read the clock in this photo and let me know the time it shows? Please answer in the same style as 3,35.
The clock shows 6,03
